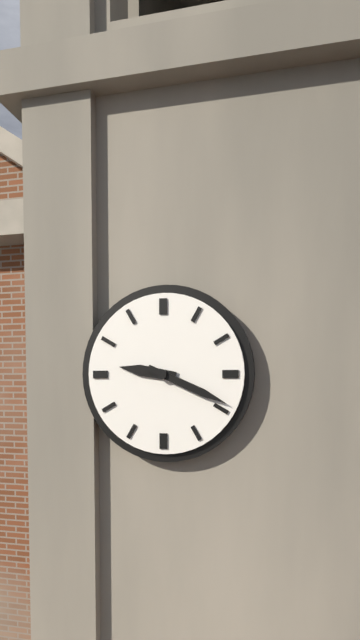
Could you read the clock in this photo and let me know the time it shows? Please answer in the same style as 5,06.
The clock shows 9,19
